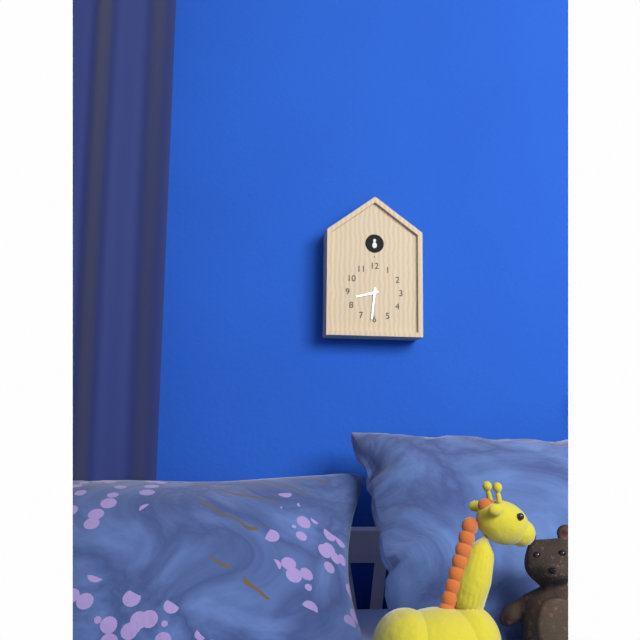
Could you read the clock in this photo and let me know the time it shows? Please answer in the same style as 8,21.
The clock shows 8,31
